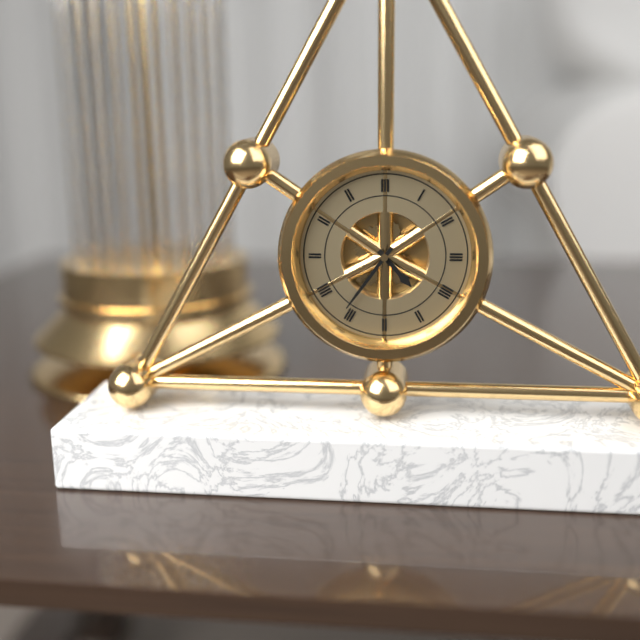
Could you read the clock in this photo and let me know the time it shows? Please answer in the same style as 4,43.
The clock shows 4,36
